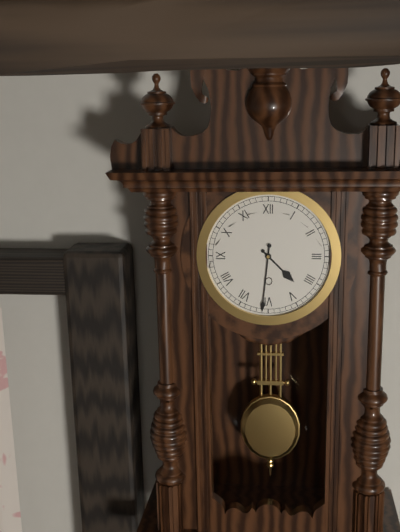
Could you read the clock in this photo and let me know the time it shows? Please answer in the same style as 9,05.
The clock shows 4,31
